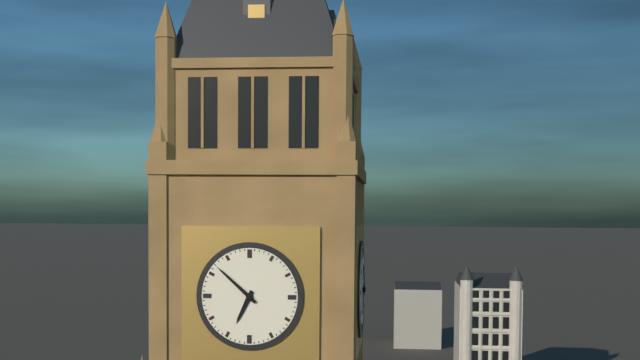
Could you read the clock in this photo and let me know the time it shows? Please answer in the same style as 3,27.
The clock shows 6,52
